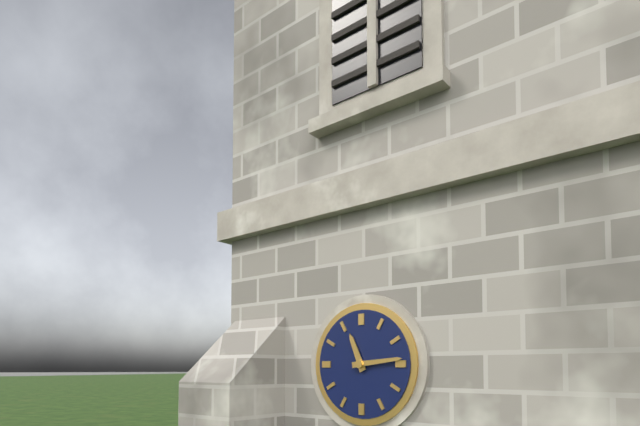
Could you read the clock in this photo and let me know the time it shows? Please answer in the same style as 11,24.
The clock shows 11,14
